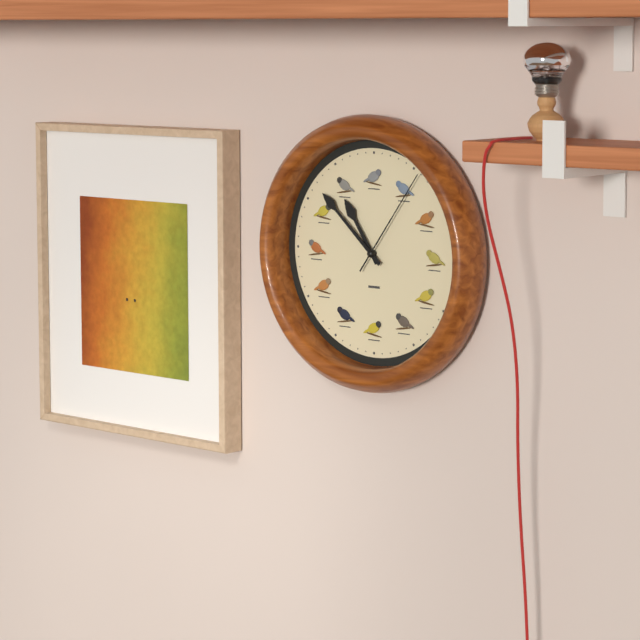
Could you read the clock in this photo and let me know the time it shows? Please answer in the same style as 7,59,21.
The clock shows 10,52,06
